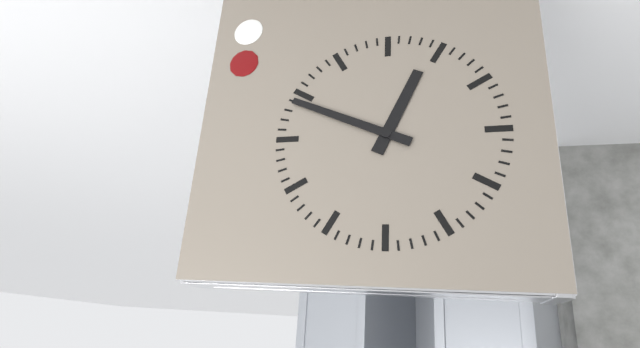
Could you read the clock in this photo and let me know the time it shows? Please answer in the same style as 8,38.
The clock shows 12,49
